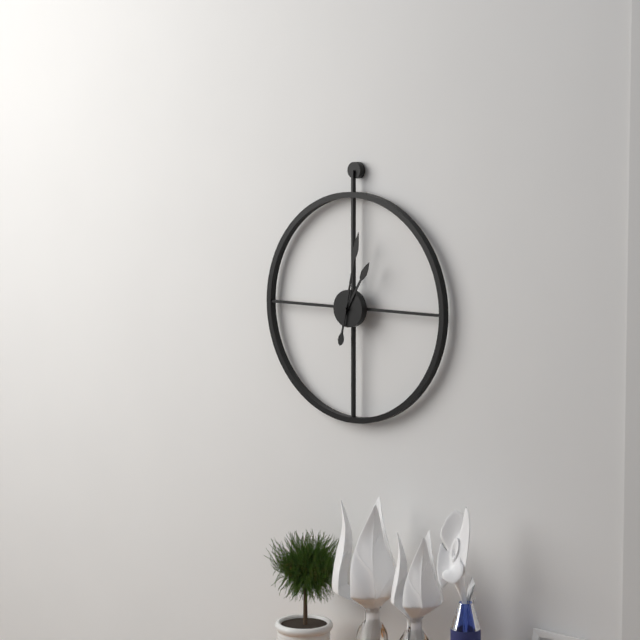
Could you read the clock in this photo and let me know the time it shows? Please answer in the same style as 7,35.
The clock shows 1,02
